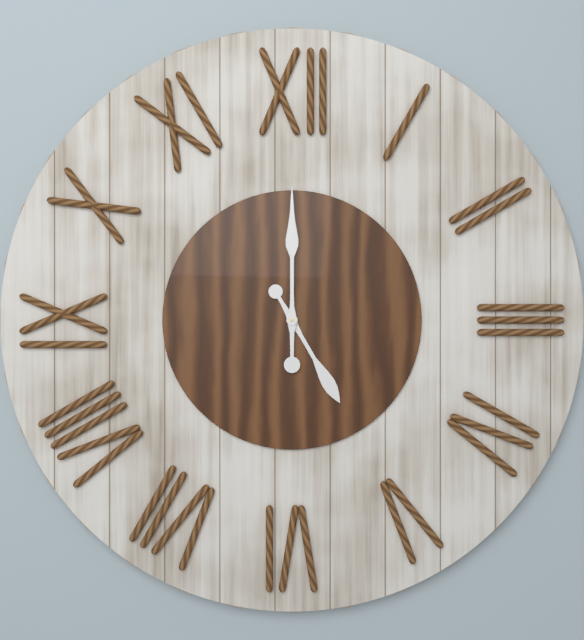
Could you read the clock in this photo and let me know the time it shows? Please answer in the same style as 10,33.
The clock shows 5,00
